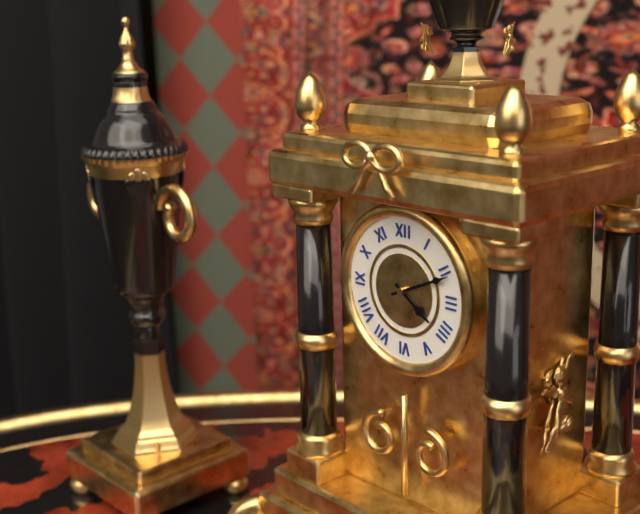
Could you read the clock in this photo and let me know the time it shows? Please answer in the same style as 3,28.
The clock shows 4,11
